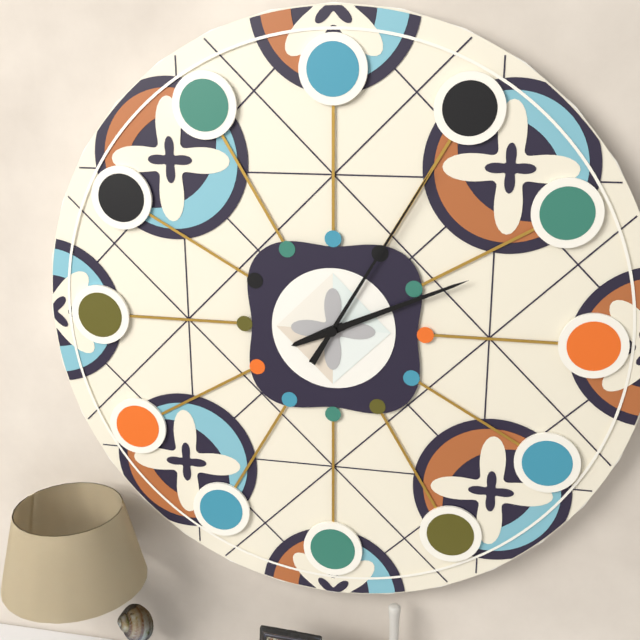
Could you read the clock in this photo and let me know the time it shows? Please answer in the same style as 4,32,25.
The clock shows 8,11,05
